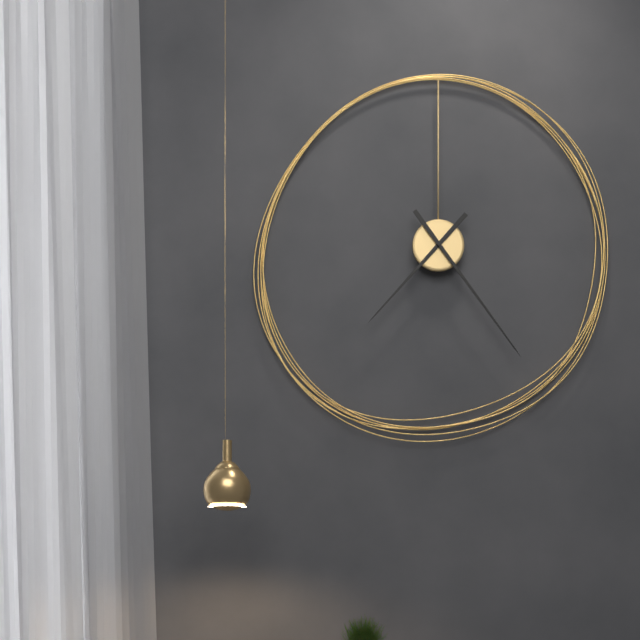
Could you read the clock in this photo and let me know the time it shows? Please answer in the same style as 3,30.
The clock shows 7,24
